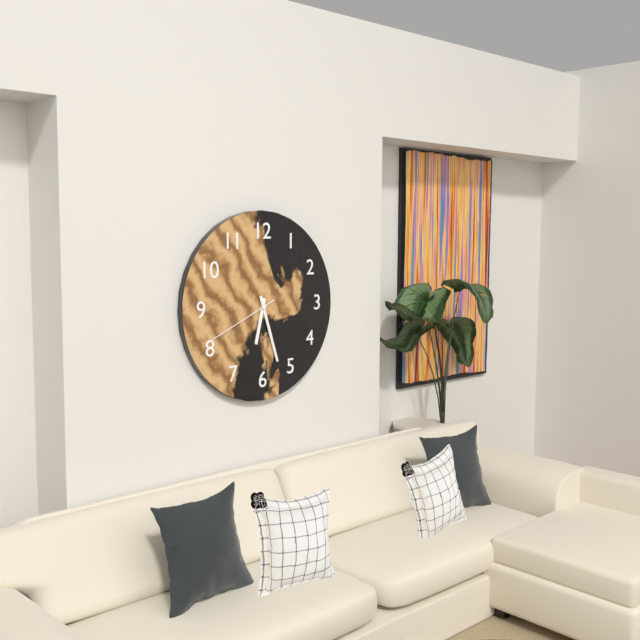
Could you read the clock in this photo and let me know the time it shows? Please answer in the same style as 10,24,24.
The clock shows 6,27,41
